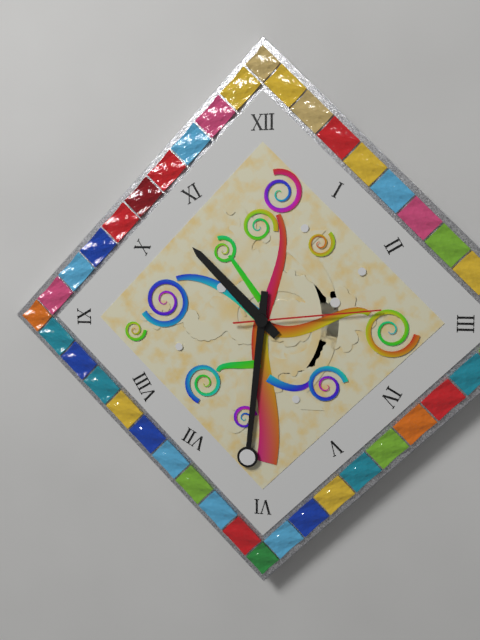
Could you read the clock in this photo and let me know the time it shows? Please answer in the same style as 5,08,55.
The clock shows 10,31,14
